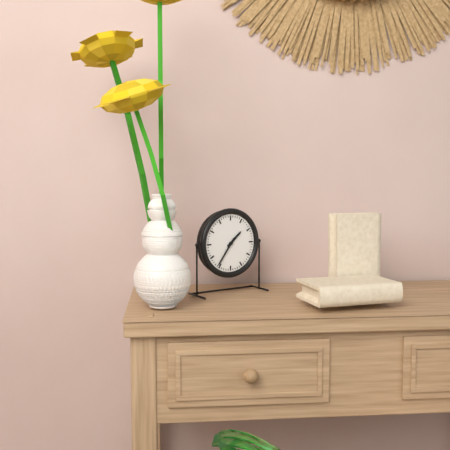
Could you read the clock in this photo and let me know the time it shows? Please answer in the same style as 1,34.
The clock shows 1,36
